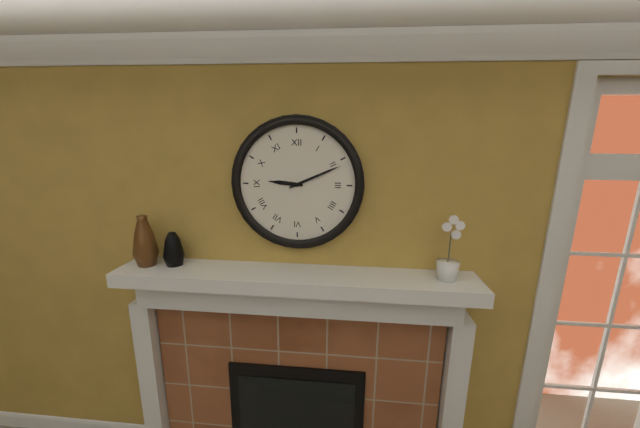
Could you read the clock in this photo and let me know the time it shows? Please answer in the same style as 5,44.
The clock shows 9,11
